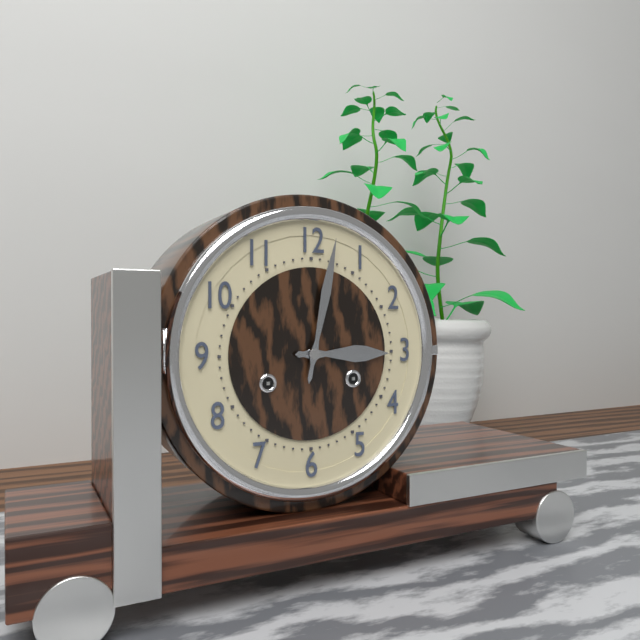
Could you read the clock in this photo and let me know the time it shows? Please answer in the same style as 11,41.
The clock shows 3,02
